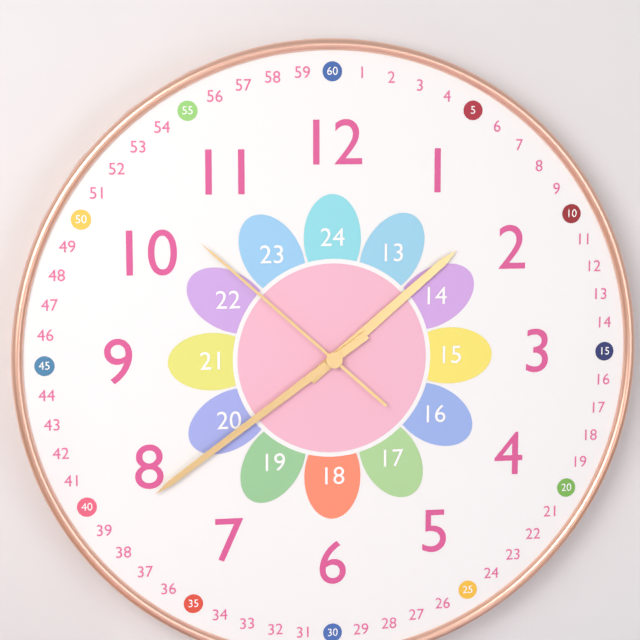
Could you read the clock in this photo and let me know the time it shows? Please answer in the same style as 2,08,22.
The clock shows 1,39,52
